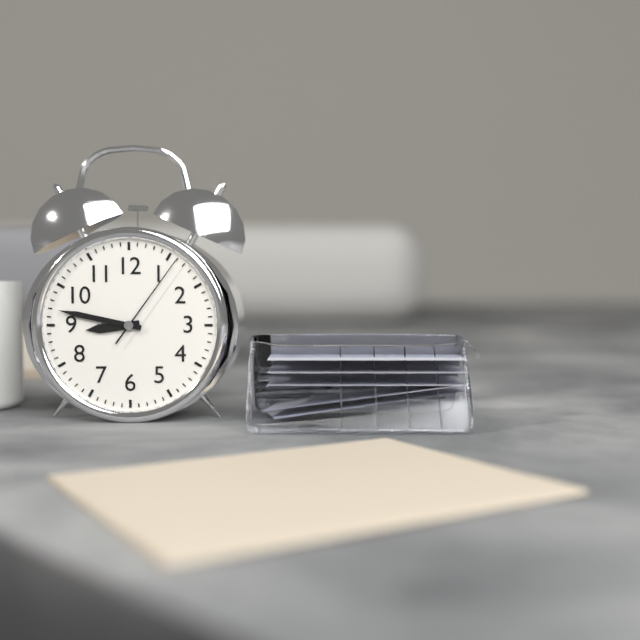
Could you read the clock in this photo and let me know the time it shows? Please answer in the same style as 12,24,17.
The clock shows 8,47,06
